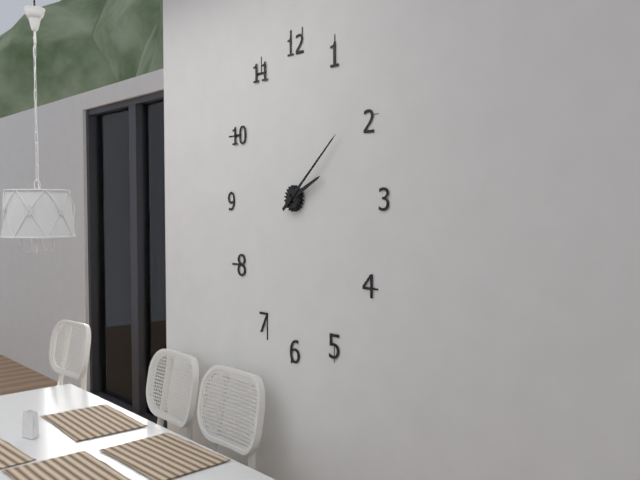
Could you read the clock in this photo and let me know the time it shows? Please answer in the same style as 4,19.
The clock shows 2,08
